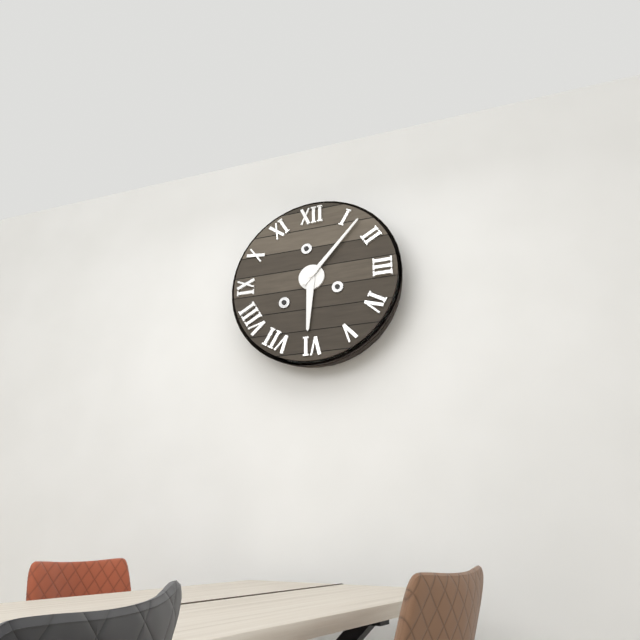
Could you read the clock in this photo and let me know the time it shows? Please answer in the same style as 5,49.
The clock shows 6,07
